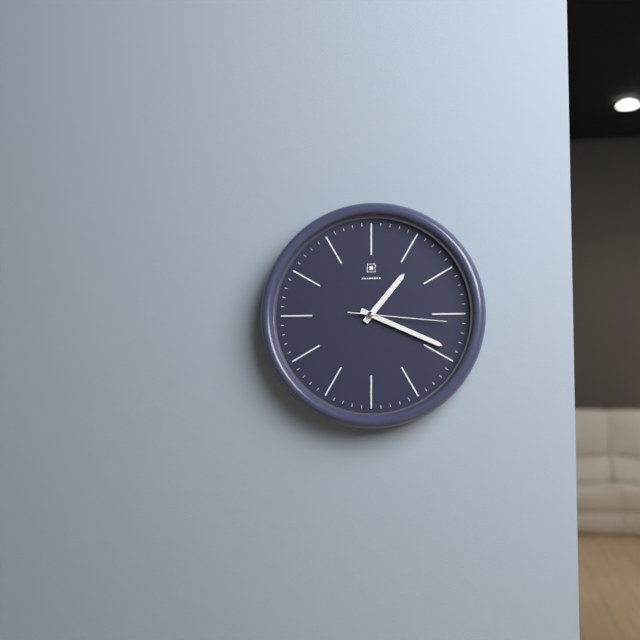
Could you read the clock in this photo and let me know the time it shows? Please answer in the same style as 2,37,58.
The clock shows 1,19,16
